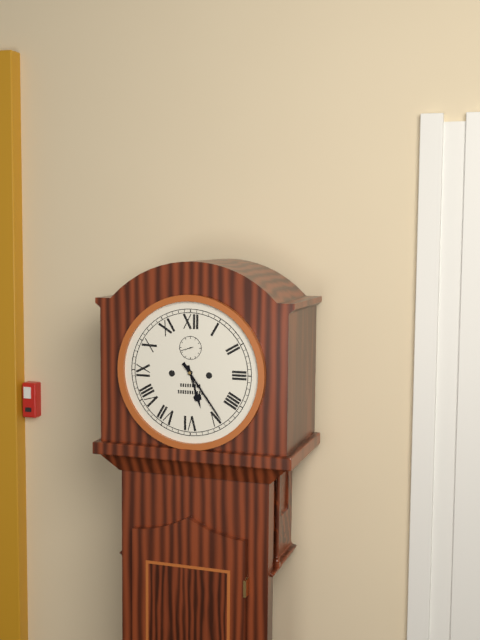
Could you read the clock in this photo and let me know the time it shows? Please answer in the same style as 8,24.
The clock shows 5,24
